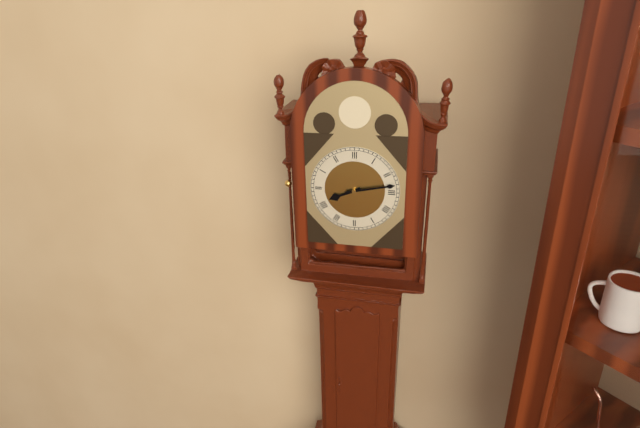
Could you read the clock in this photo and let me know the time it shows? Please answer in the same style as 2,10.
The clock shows 8,13
